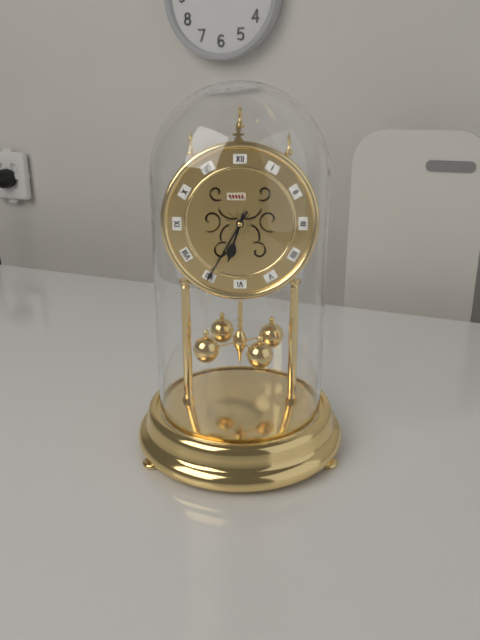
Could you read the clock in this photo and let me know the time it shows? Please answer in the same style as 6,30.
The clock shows 6,35
